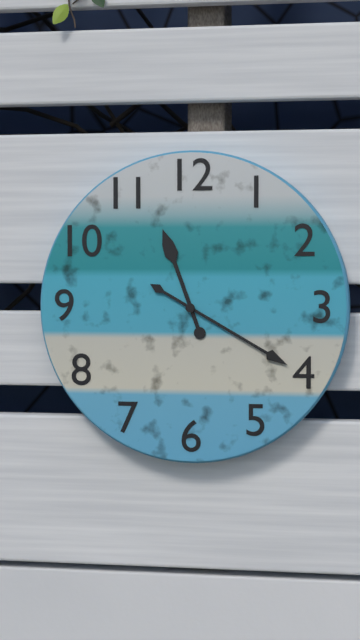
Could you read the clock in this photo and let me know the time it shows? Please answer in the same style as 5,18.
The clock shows 11,20
